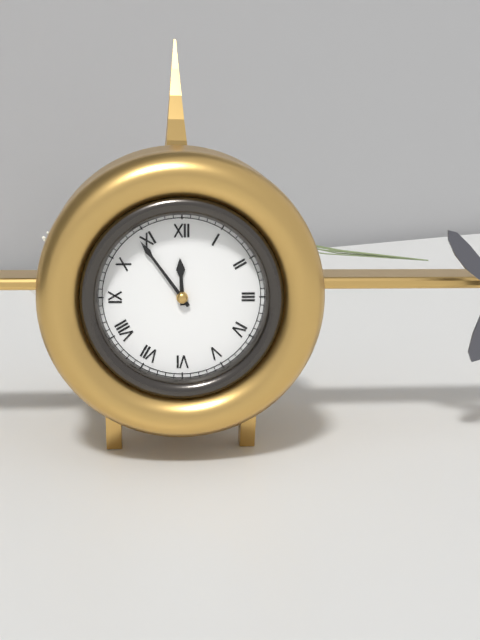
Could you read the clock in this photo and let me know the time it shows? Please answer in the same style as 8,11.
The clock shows 11,54
